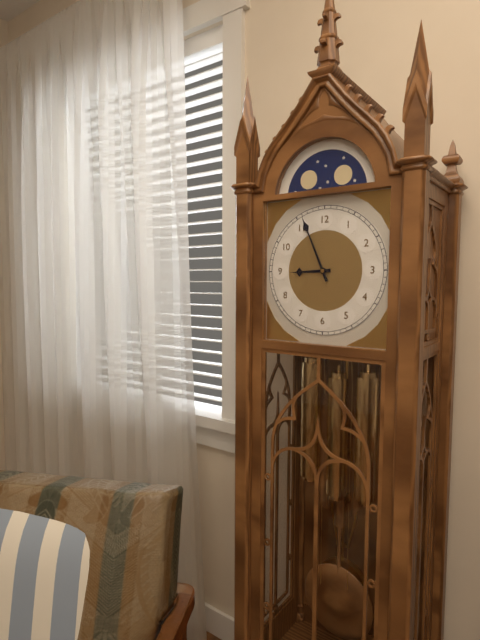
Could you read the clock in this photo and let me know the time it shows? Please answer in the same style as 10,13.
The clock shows 8,56
